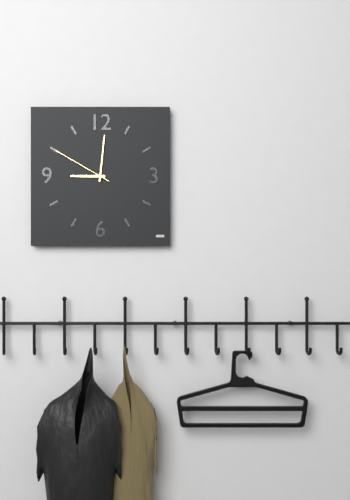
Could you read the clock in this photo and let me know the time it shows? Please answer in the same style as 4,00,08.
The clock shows 9,01,50
